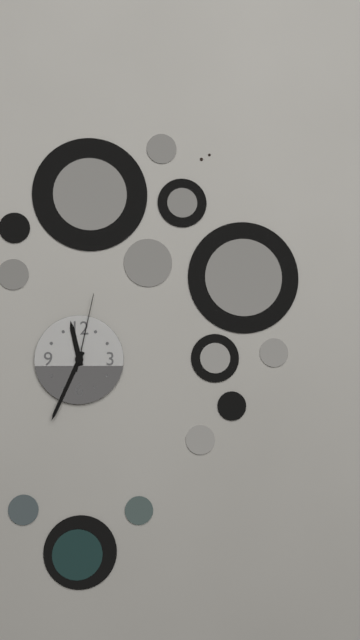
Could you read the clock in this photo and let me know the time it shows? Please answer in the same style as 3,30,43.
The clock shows 11,34,02
